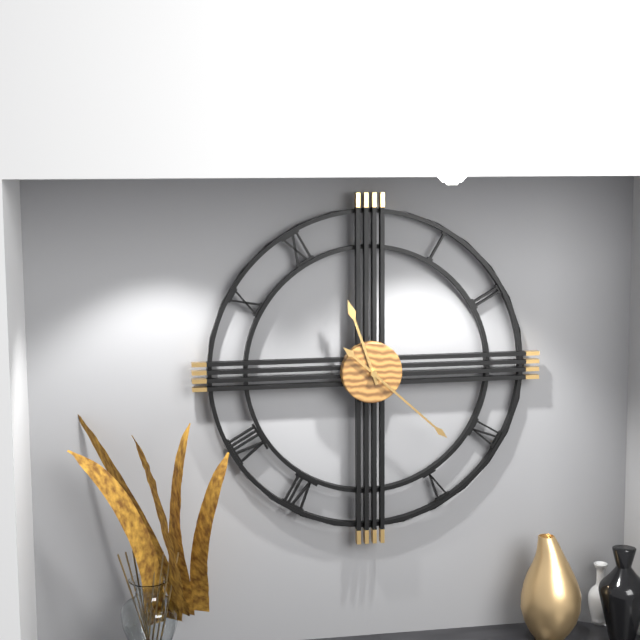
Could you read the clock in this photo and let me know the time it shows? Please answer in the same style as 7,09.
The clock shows 11,22
